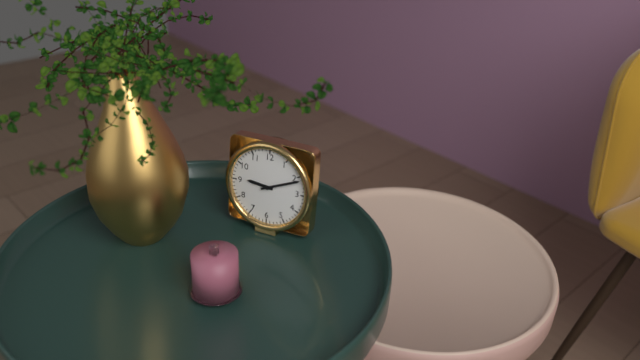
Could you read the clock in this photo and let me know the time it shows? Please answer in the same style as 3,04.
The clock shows 9,11
